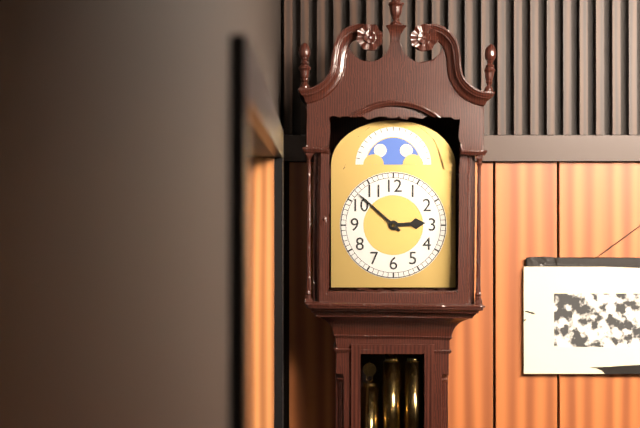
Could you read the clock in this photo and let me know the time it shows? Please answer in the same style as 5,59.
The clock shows 2,52
